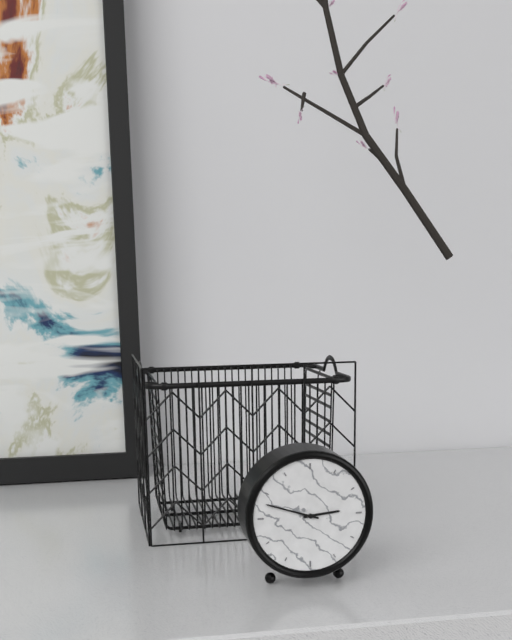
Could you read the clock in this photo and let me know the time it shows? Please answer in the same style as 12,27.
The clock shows 2,48
